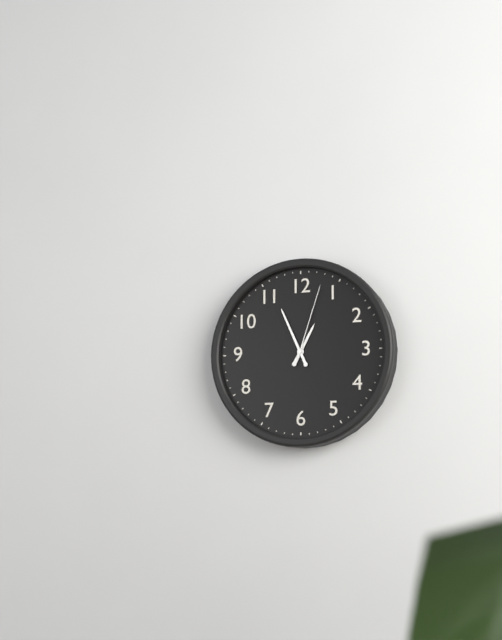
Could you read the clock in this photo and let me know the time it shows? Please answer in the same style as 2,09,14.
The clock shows 12,56,03
